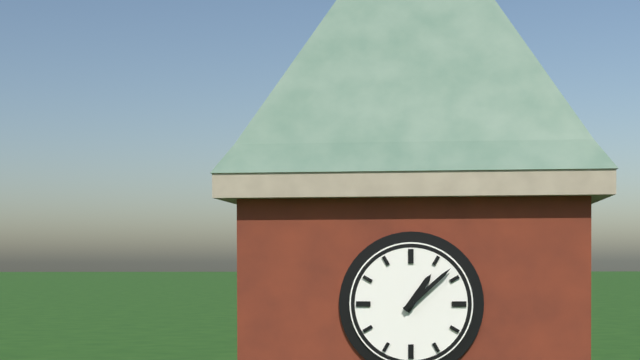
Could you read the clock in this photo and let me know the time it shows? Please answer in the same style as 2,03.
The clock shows 1,08
